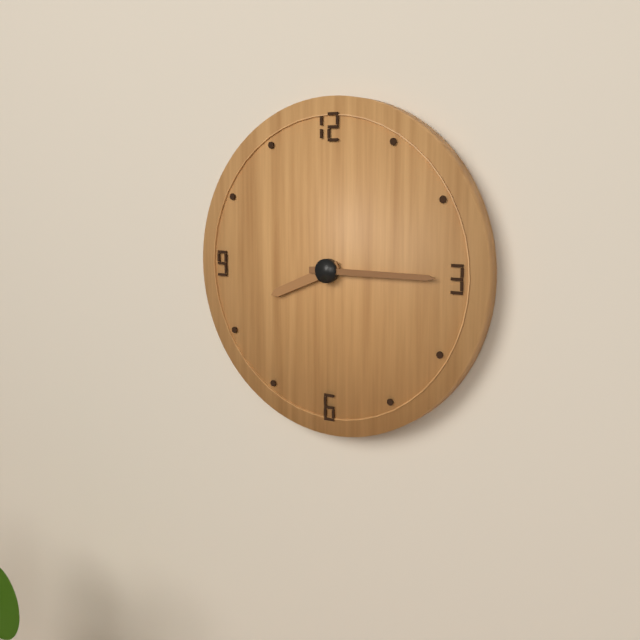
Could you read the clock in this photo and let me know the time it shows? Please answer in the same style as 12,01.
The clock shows 8,15
